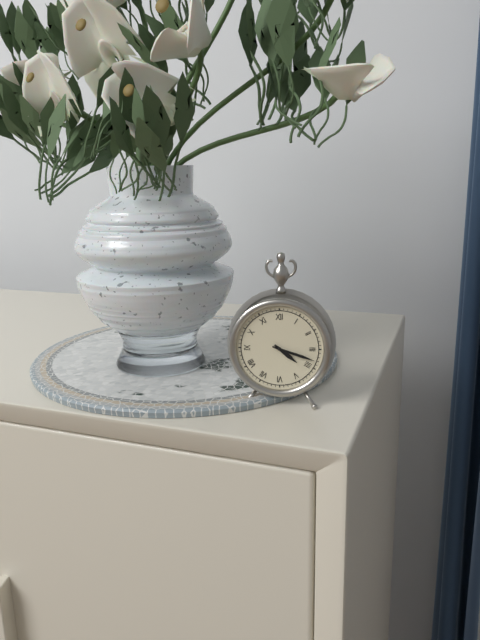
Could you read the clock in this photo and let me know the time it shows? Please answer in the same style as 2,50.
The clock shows 4,18
